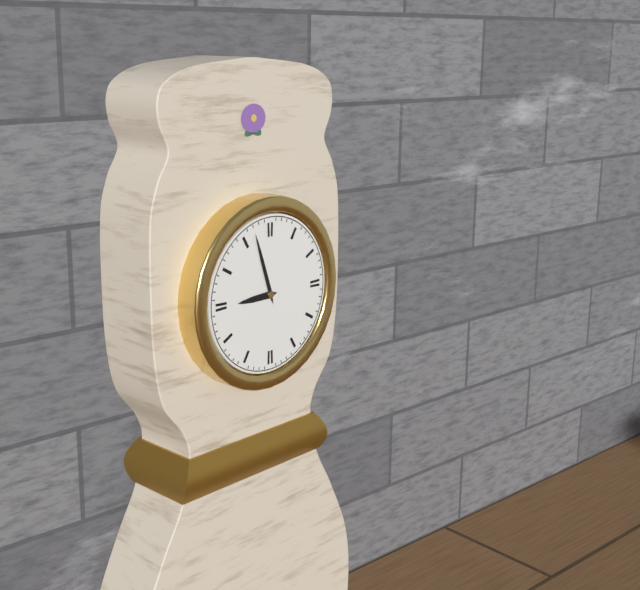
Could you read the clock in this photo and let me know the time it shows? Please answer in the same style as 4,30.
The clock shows 8,57
